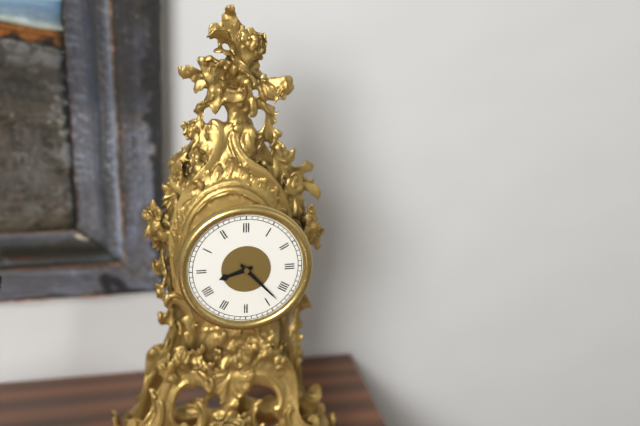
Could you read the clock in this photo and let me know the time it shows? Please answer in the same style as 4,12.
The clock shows 8,23
